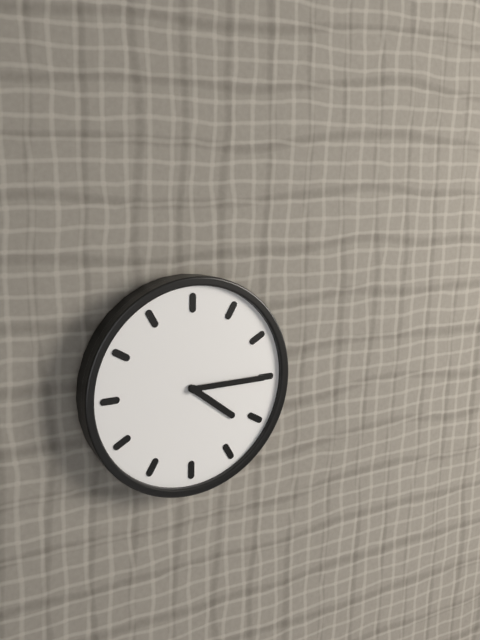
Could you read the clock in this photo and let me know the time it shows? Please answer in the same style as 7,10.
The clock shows 4,15
